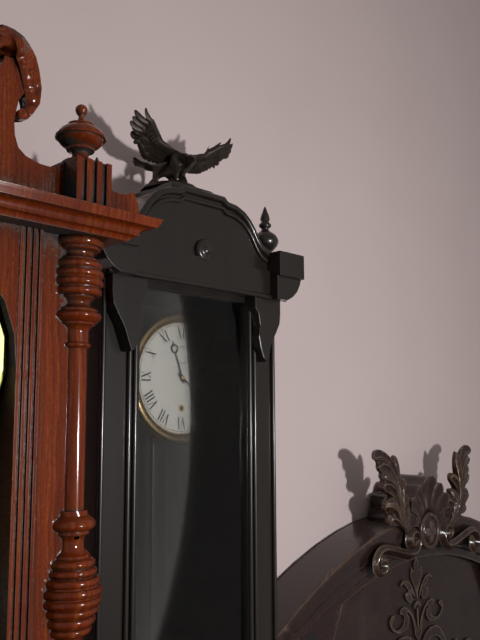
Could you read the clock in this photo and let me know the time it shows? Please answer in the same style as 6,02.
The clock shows 11,21
